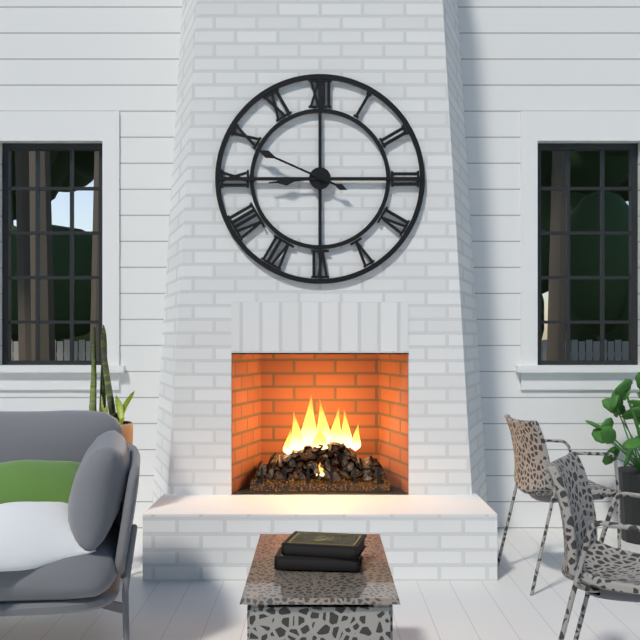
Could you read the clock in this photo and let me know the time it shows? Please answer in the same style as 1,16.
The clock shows 8,49
